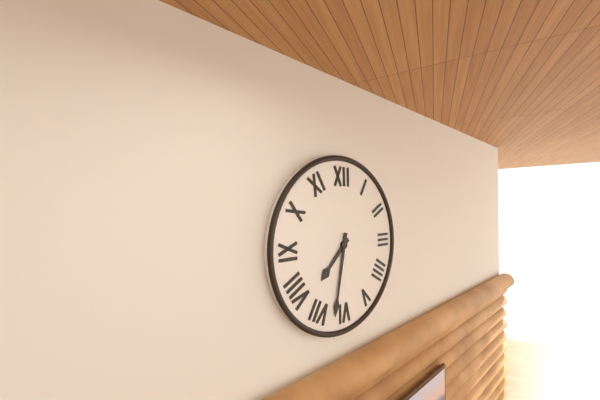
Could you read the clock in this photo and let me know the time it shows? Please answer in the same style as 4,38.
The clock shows 7,32
